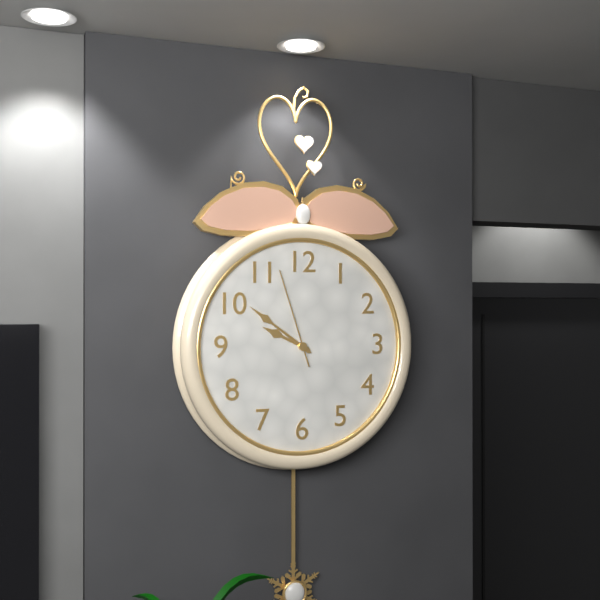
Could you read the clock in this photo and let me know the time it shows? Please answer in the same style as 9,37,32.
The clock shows 9,51,57
